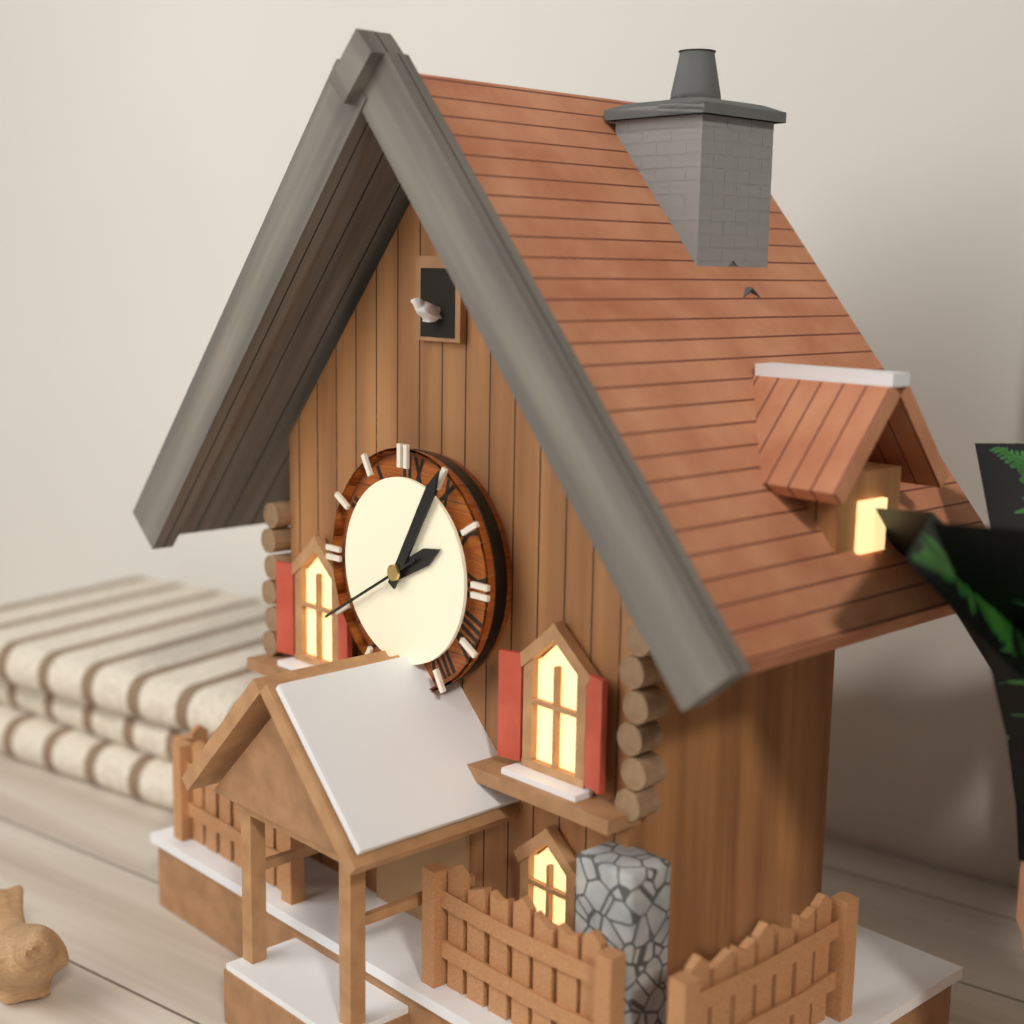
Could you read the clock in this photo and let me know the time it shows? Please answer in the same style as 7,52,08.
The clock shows 2,05,40
